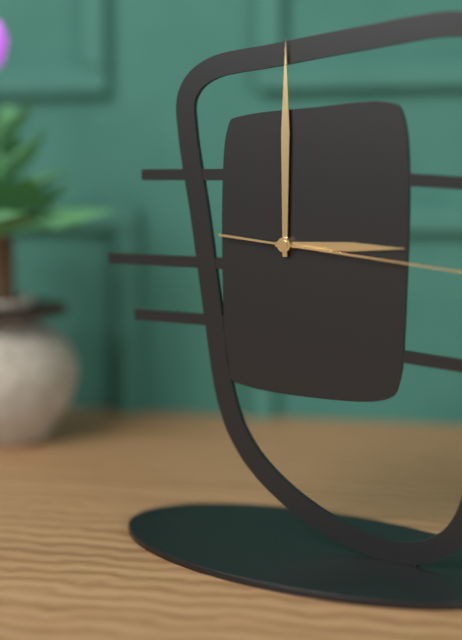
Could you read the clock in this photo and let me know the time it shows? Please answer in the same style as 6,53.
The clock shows 3,00
